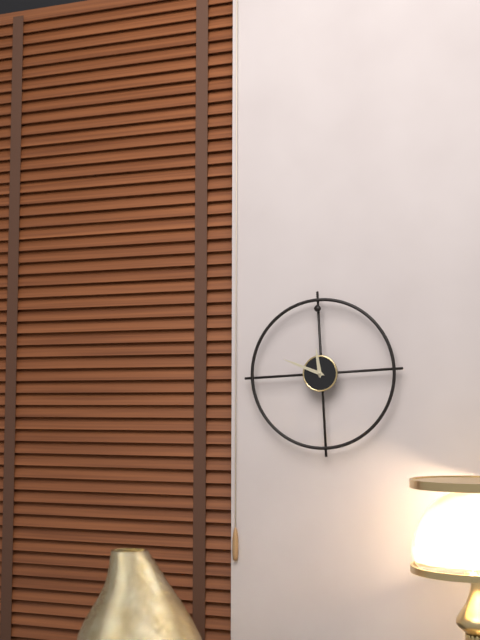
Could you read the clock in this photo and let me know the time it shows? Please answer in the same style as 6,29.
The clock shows 11,49
